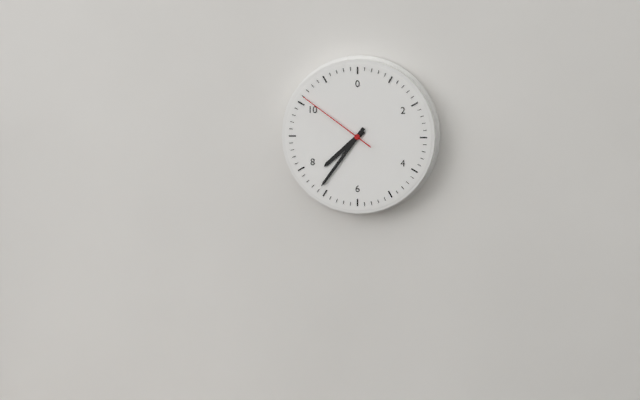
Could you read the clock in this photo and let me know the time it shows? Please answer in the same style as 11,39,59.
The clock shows 7,36,51
